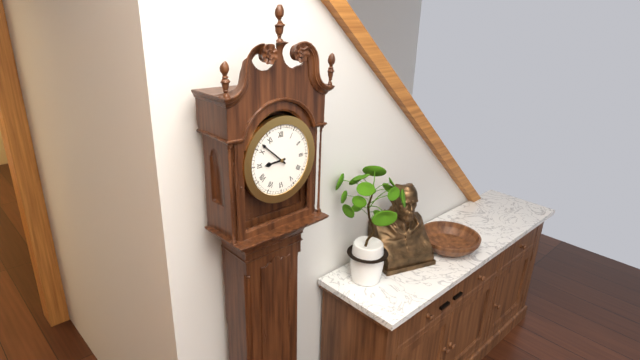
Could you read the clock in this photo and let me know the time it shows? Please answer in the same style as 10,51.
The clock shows 8,52
